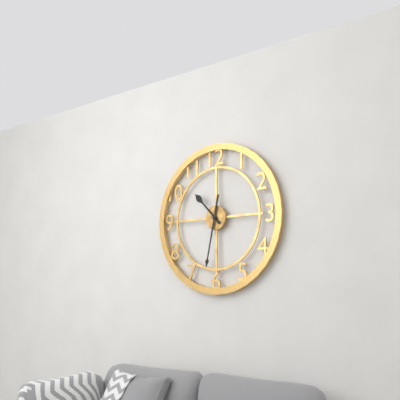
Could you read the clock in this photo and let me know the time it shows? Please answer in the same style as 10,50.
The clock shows 10,32
